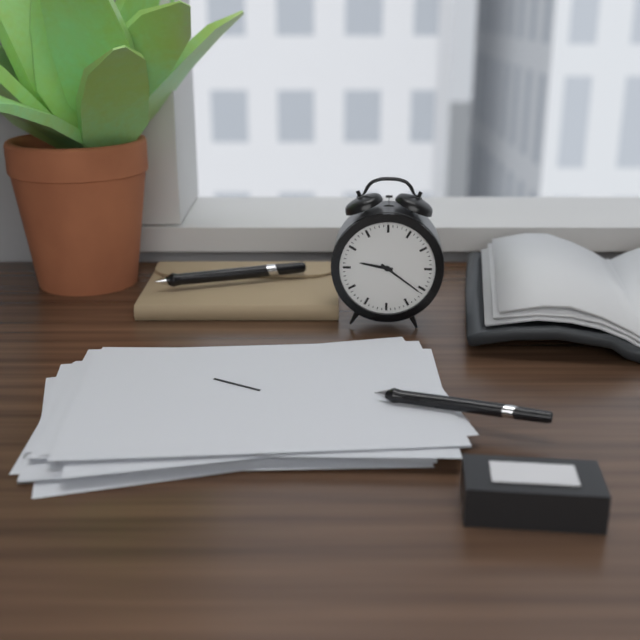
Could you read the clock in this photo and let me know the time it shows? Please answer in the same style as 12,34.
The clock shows 9,21
